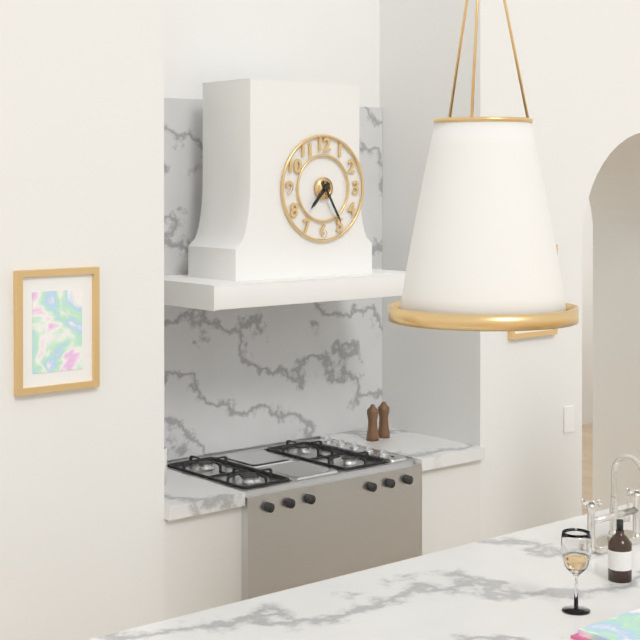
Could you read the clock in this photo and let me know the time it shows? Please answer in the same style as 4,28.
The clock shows 7,25
